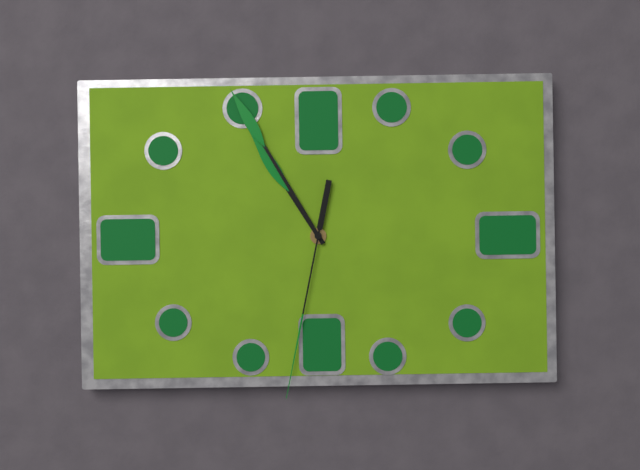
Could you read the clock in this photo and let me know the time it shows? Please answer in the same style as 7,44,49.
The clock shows 10,55,32
